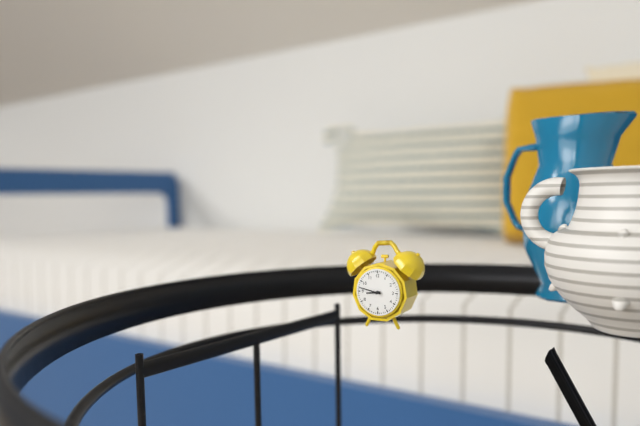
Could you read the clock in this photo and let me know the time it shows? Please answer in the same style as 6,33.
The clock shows 8,47
